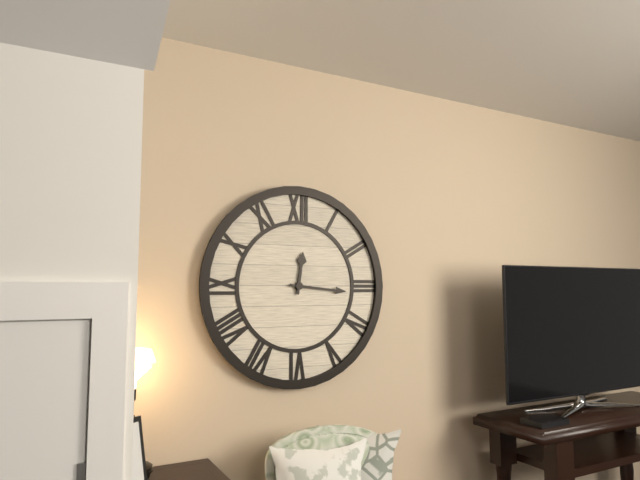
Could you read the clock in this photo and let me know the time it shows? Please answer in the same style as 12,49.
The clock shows 12,16
